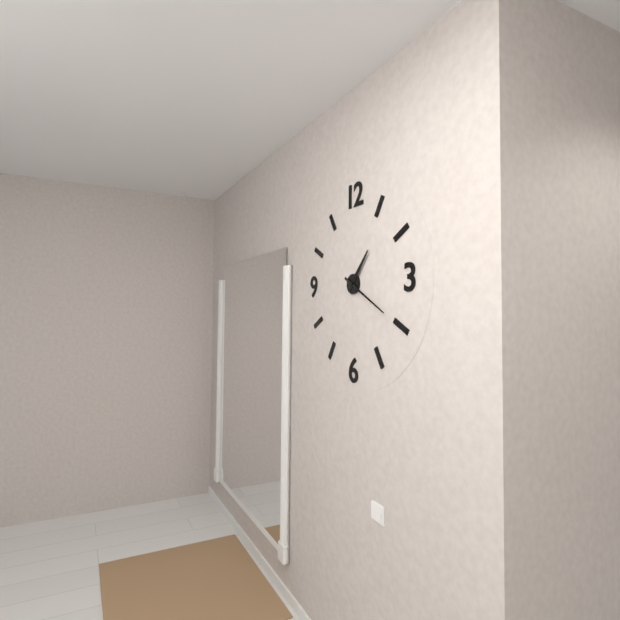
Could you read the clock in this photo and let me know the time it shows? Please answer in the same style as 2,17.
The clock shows 1,20
